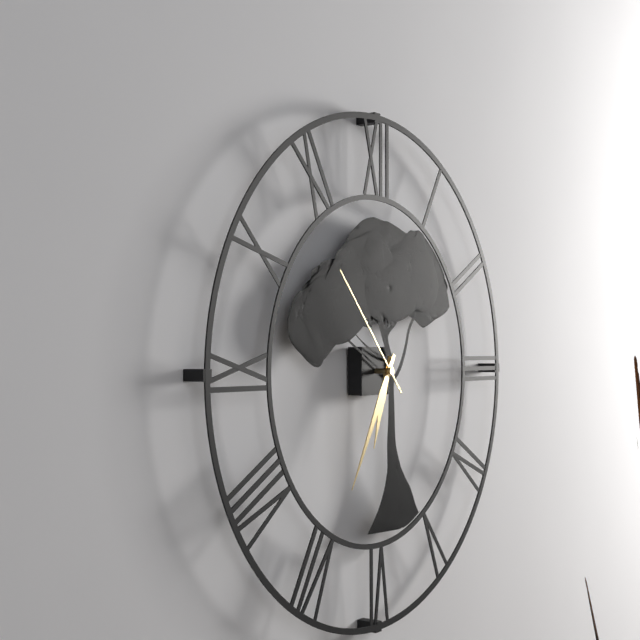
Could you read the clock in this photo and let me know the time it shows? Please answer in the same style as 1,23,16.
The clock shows 6,35,53
